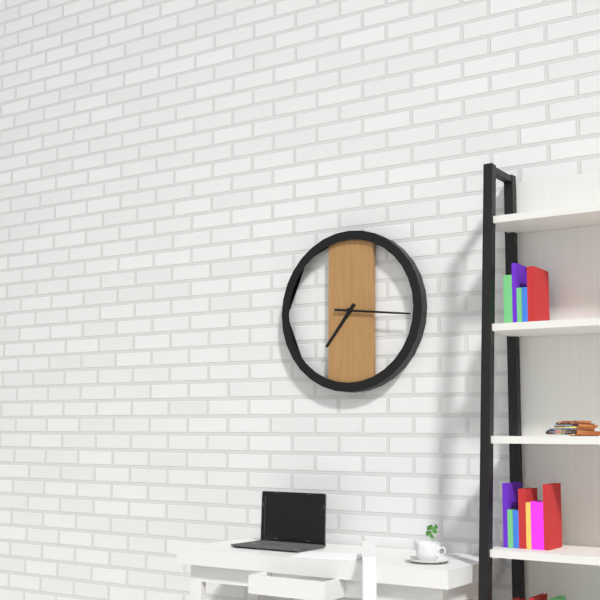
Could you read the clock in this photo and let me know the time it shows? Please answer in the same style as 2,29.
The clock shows 7,16
